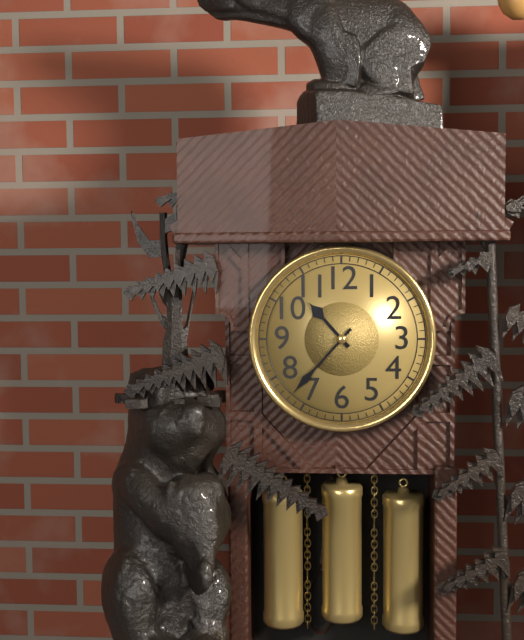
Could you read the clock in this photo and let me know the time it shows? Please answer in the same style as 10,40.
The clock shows 10,37
